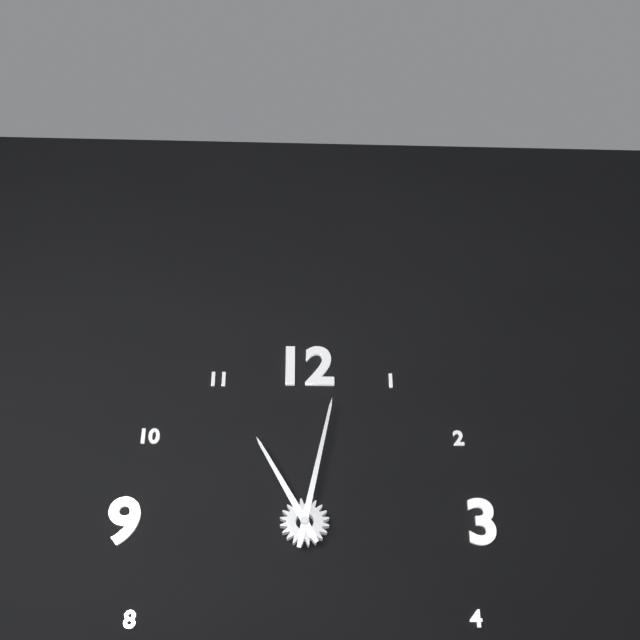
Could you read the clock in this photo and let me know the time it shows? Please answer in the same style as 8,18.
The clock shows 11,02
